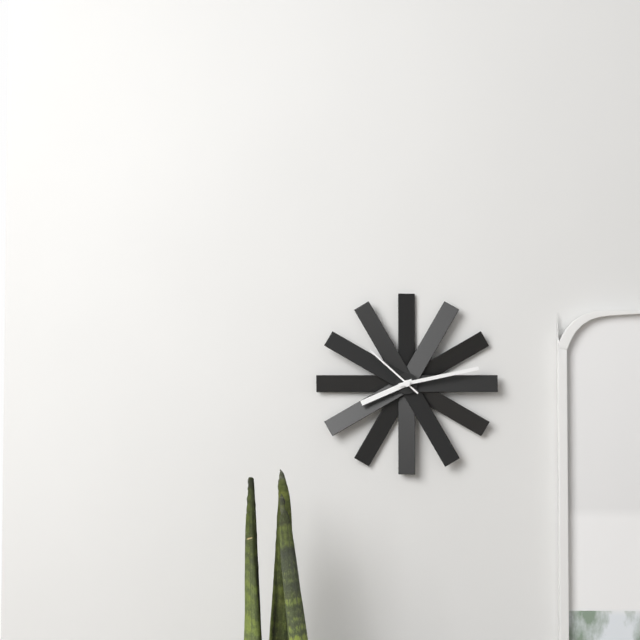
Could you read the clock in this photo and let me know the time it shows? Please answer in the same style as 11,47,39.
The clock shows 8,13,52
